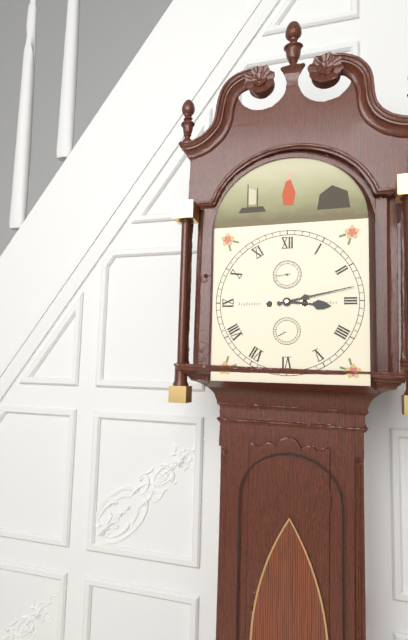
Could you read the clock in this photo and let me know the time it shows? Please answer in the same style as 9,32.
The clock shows 3,13
